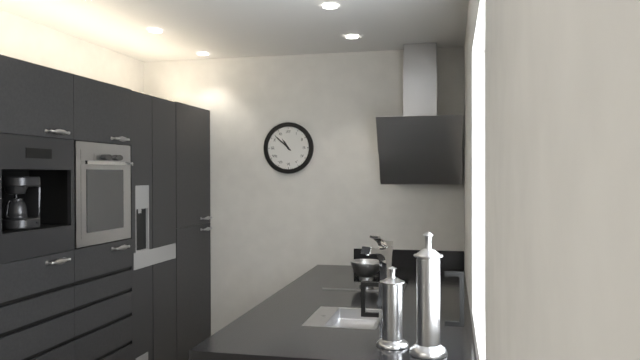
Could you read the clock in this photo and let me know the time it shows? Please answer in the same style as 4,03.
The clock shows 10,52
